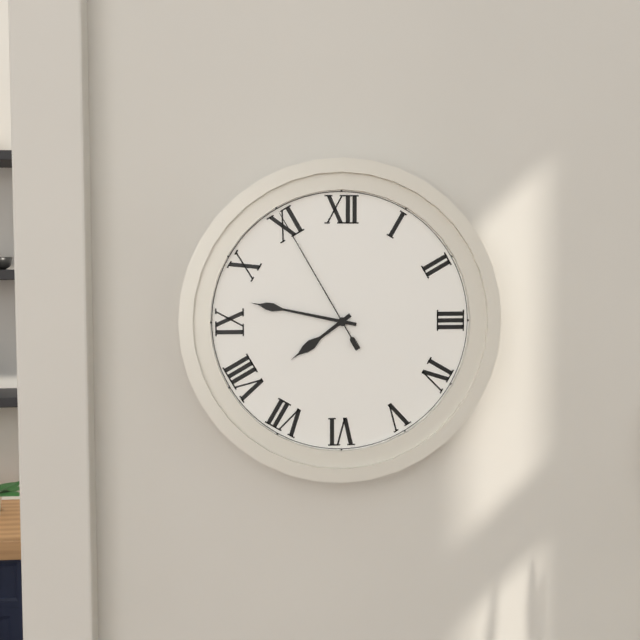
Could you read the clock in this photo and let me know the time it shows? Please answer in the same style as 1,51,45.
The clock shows 7,47,55
